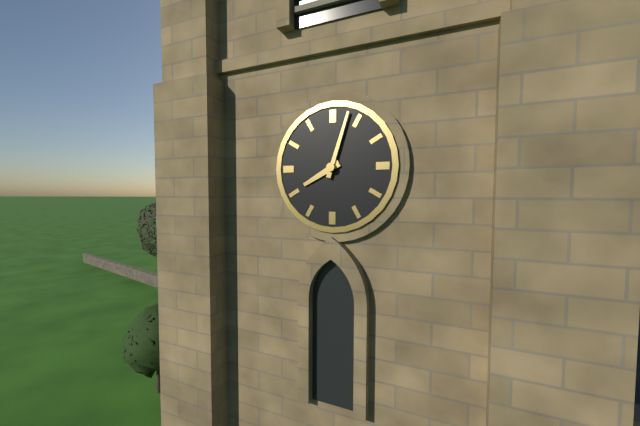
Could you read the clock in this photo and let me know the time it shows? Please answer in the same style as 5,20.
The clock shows 8,03
